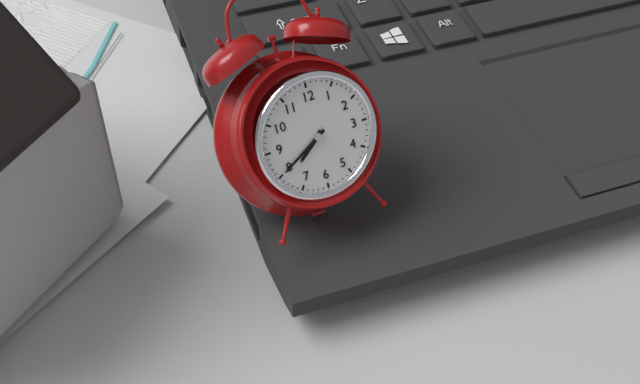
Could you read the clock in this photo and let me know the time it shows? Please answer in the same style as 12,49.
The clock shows 7,40
